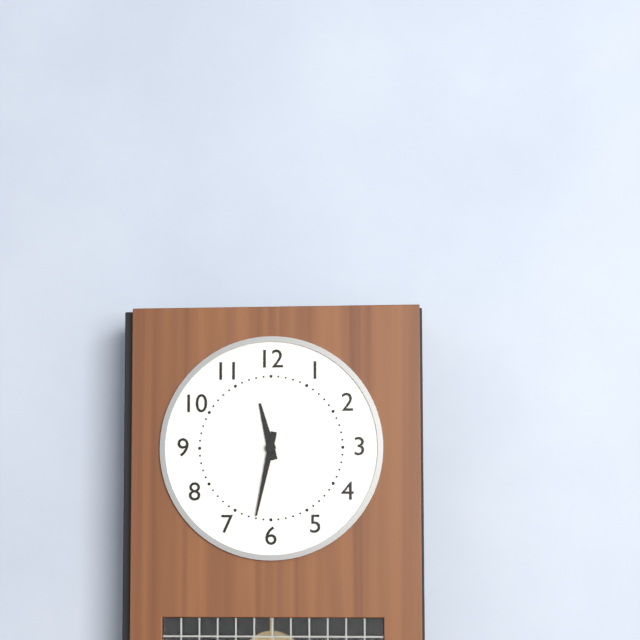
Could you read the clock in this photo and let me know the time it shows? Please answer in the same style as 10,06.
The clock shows 11,32
